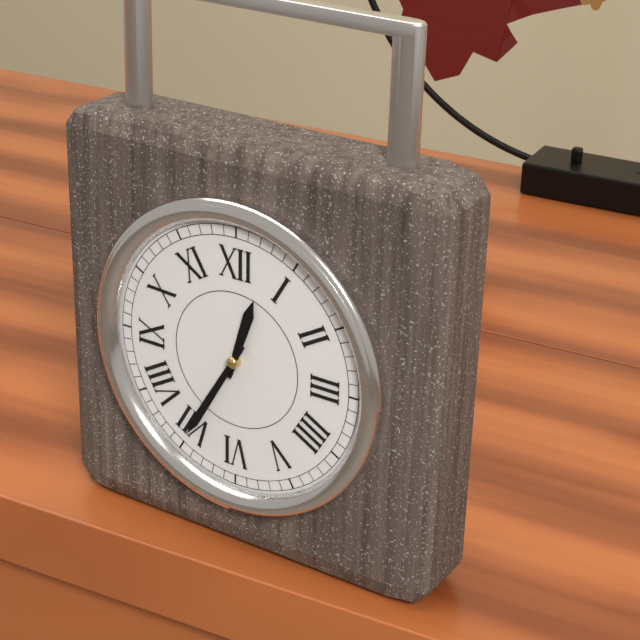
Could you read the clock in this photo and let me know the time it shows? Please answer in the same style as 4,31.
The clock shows 12,35
